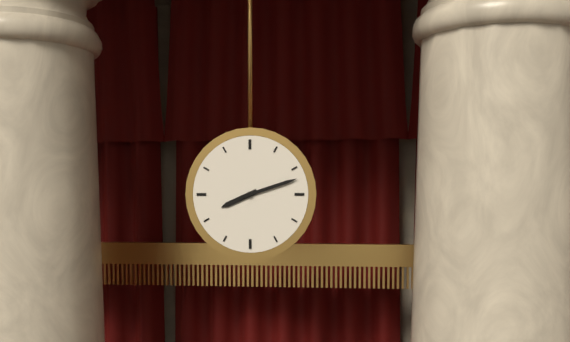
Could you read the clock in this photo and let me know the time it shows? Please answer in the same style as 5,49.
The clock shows 8,12
